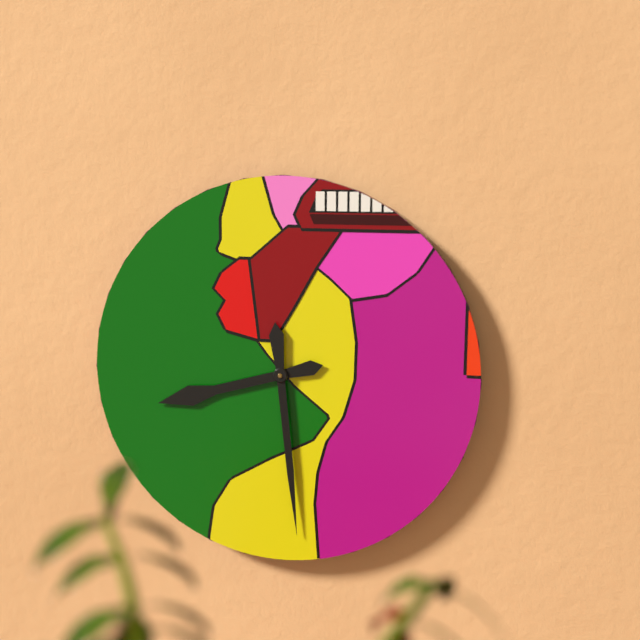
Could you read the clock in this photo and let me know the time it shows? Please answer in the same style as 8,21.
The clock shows 8,29
